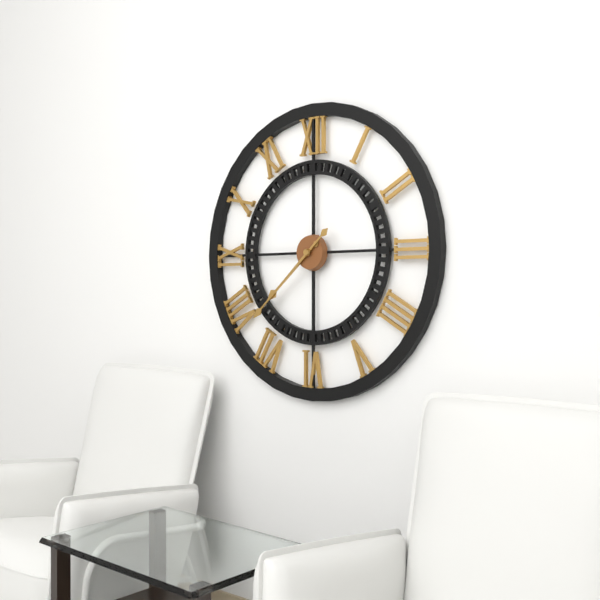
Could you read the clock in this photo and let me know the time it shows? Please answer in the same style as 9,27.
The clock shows 7,38
